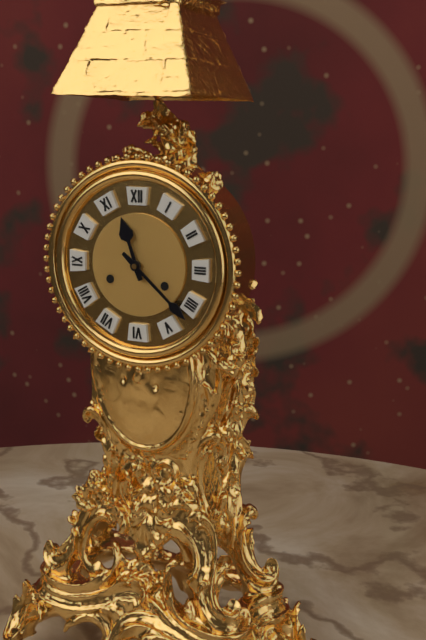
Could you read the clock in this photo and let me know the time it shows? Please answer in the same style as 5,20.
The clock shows 11,22
